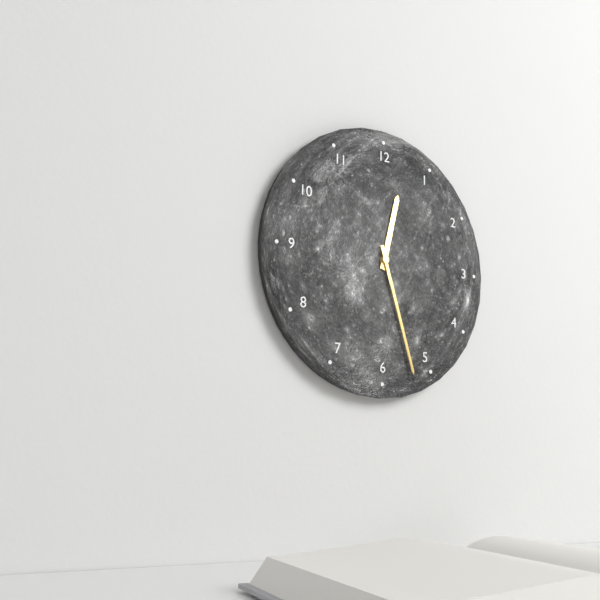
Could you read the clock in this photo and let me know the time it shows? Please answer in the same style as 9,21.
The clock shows 12,27
